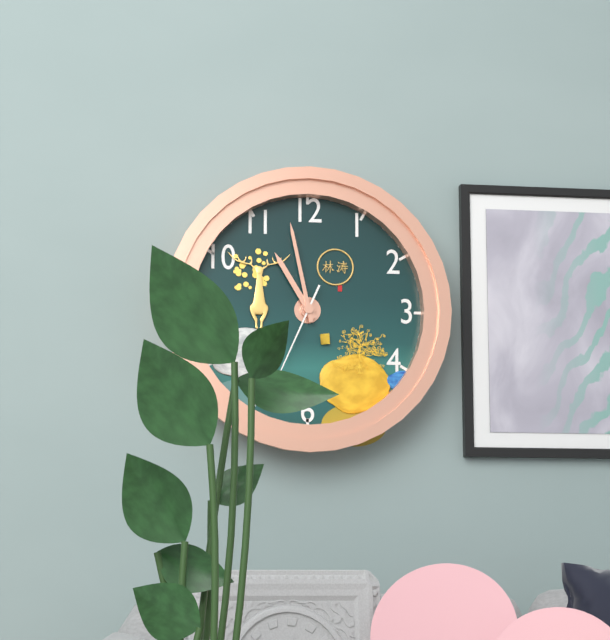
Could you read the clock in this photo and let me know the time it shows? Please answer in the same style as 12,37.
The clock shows 10,58
